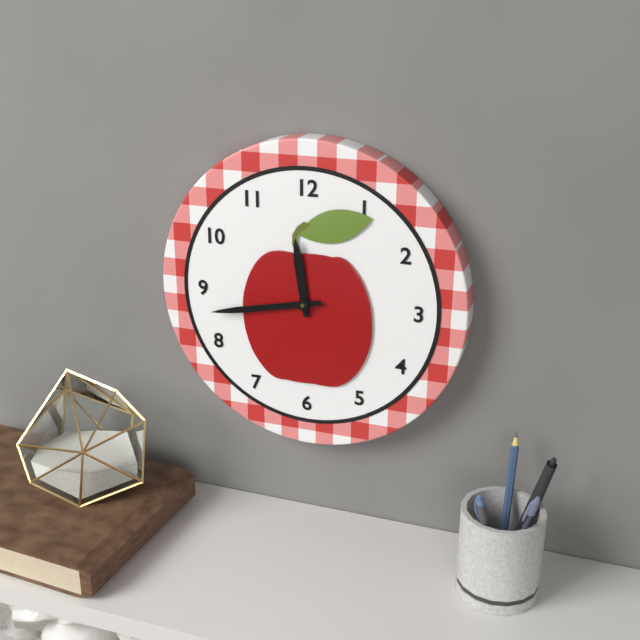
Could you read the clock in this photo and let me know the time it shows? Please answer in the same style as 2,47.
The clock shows 11,43
